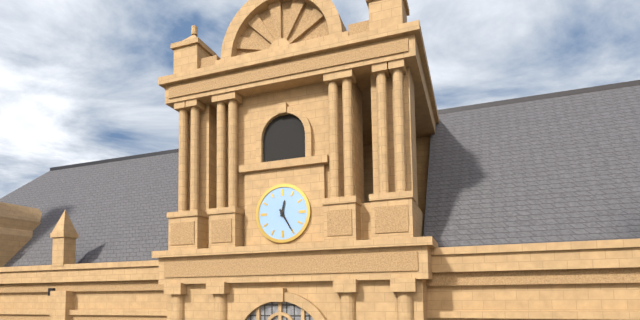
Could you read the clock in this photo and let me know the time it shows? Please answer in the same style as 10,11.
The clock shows 12,25
